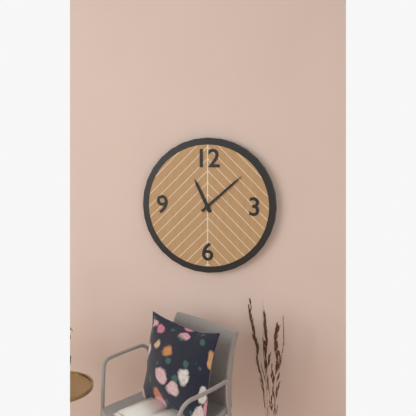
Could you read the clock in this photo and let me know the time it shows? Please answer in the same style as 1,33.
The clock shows 11,08
